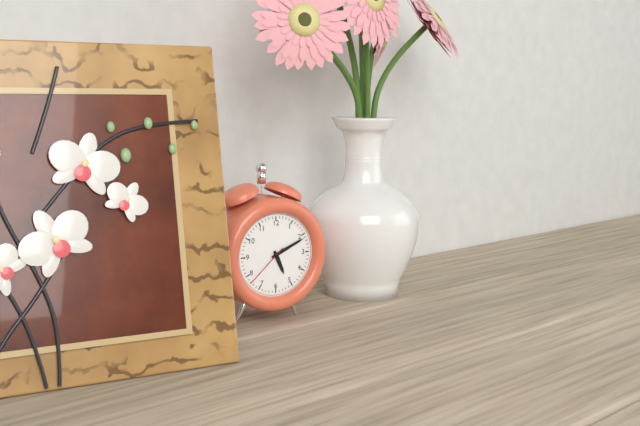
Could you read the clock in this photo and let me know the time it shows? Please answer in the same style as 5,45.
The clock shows 5,11
